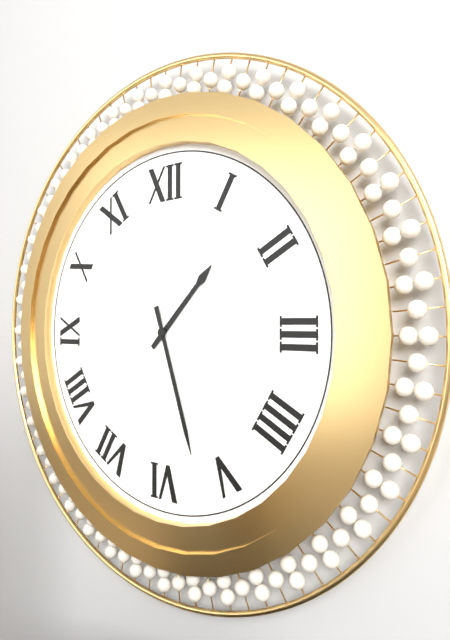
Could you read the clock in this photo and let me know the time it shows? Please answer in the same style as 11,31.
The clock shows 1,27
